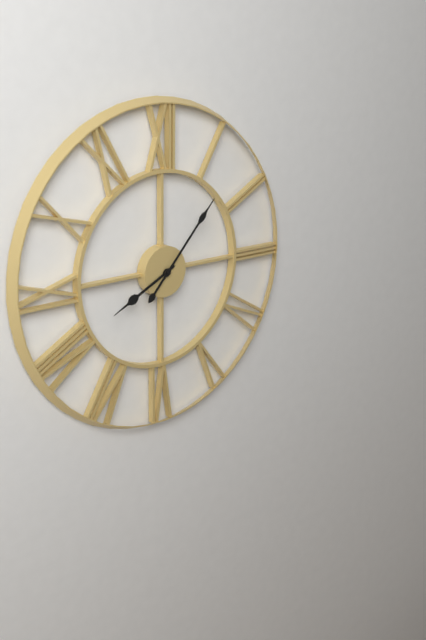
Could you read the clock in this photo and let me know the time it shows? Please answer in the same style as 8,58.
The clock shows 8,07
